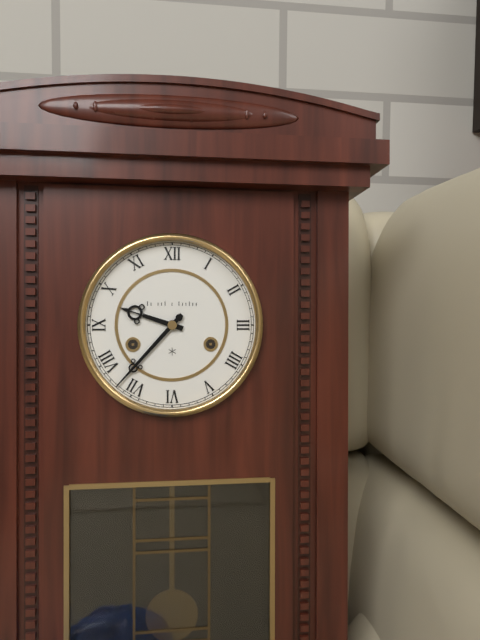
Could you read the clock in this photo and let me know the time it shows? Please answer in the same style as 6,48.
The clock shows 9,37
